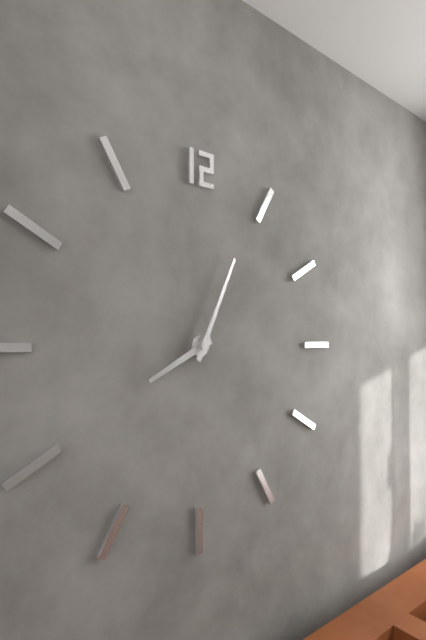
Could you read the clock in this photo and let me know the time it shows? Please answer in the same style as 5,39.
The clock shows 8,04
